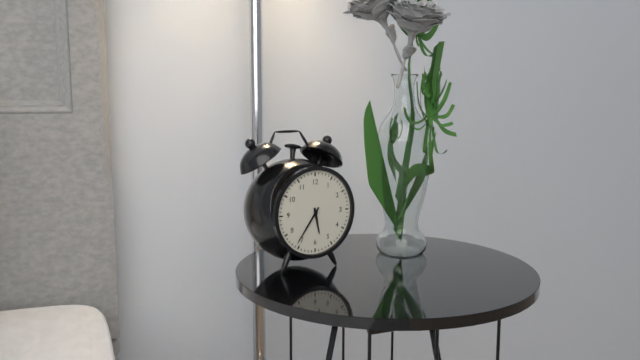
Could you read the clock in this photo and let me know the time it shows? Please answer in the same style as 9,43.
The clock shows 5,36
